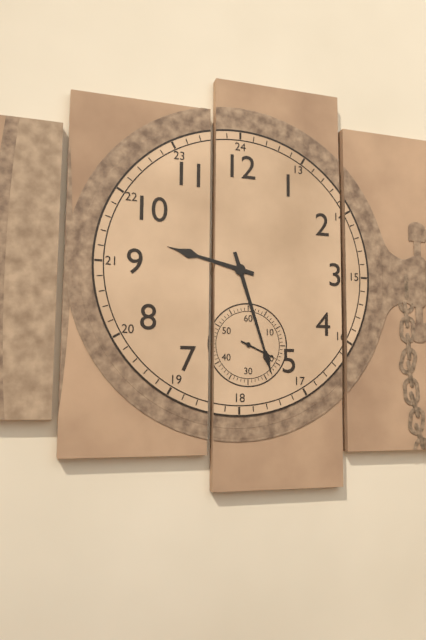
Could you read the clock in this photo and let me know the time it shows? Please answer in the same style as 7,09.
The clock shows 9,27
